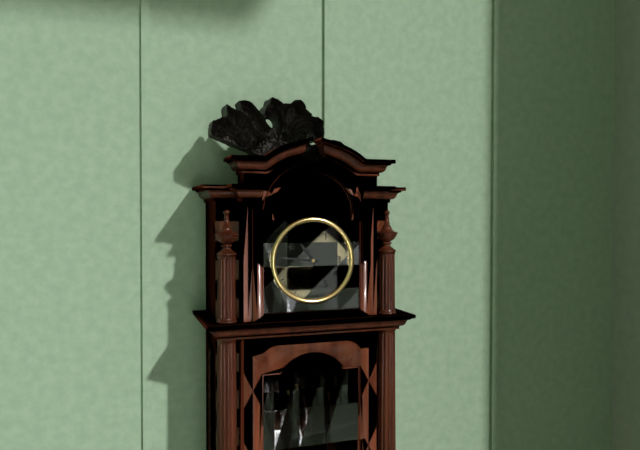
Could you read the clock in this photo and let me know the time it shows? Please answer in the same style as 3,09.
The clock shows 10,46
